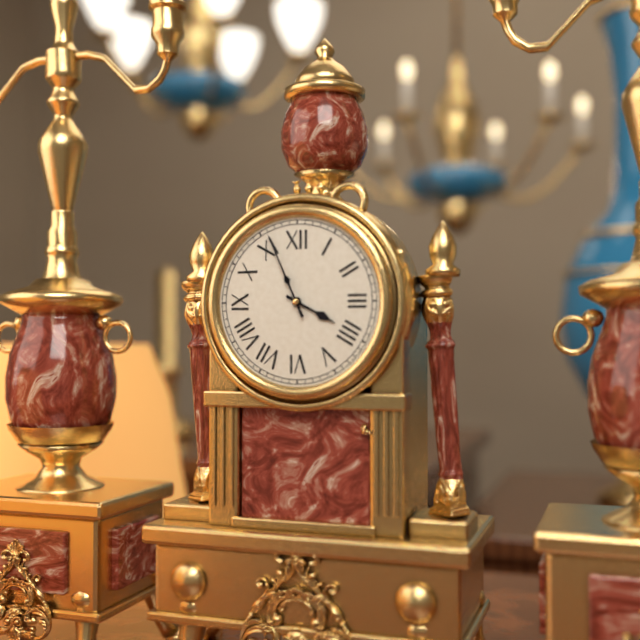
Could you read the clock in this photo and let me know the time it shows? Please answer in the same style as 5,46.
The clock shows 3,56
